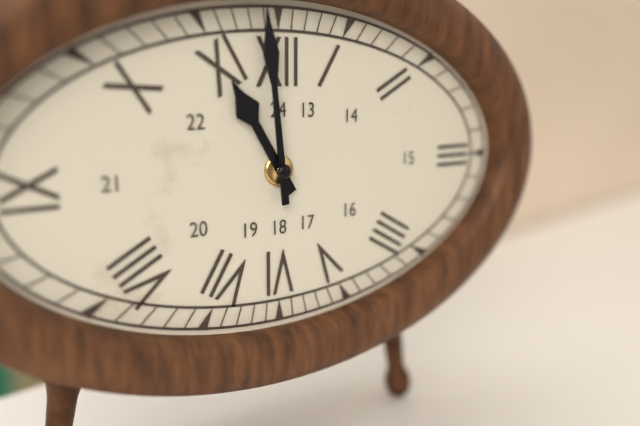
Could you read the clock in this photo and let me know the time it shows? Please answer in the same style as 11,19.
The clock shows 10,59
